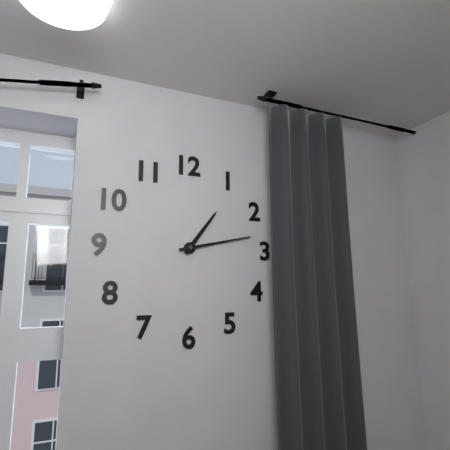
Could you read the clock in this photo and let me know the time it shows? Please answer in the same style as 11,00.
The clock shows 1,13
